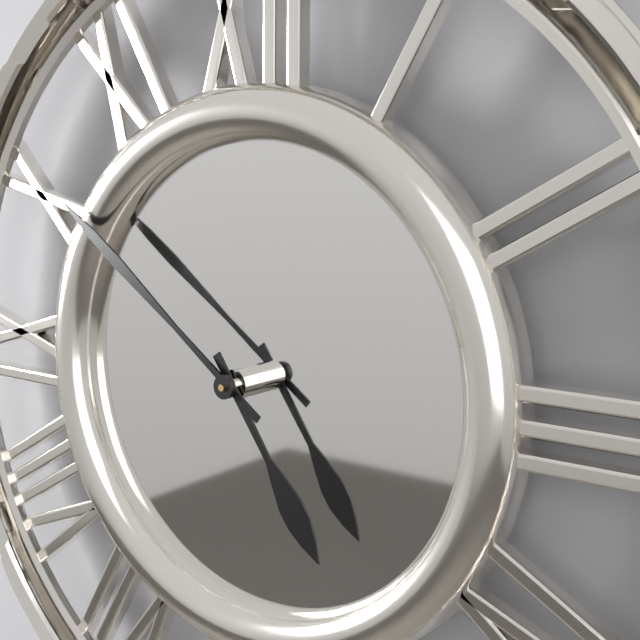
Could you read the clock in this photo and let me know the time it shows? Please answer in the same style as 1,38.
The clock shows 4,51
